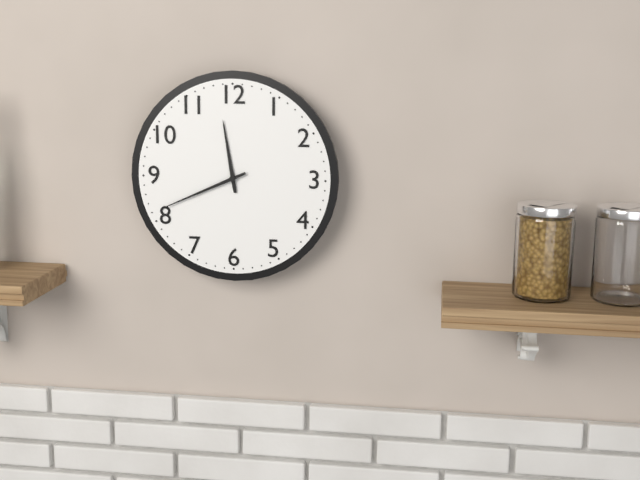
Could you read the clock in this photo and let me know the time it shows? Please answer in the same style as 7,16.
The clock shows 11,41
